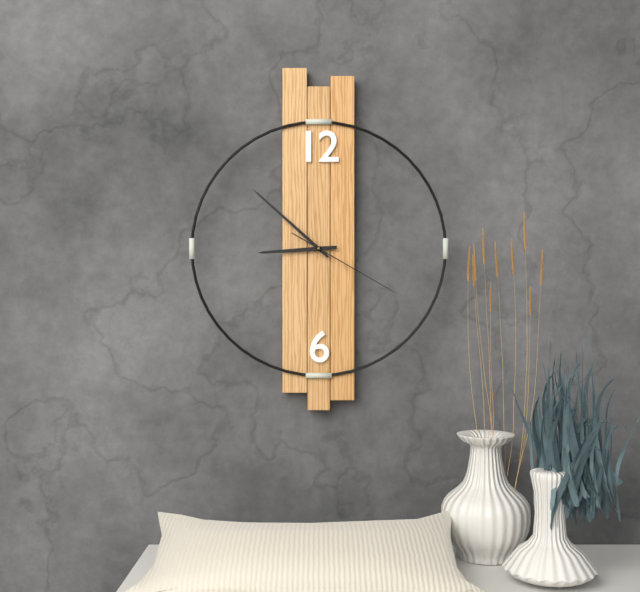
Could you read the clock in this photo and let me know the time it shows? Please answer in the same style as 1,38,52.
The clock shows 8,52,20
